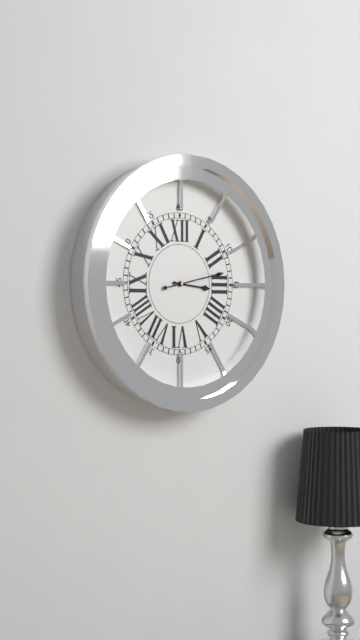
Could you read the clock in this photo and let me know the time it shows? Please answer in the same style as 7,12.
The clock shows 3,13
